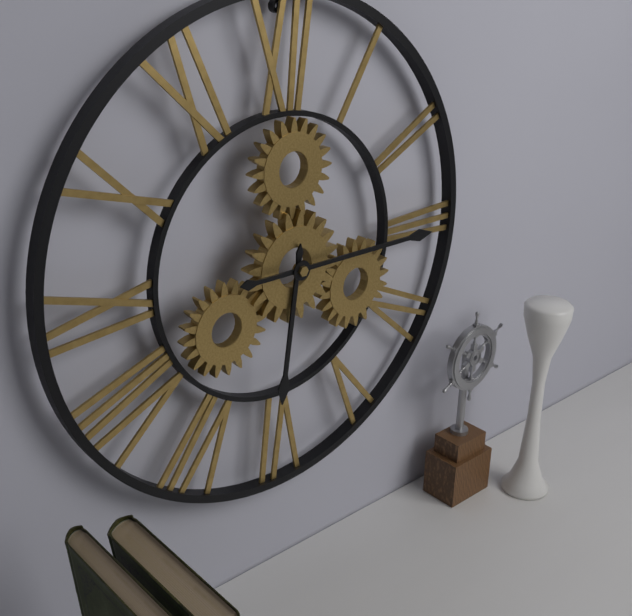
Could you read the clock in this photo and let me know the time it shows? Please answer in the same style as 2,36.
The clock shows 6,15
